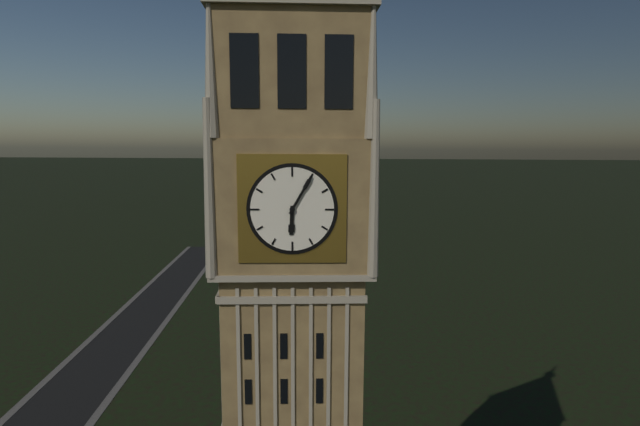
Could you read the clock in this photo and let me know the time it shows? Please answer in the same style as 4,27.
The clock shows 6,05
